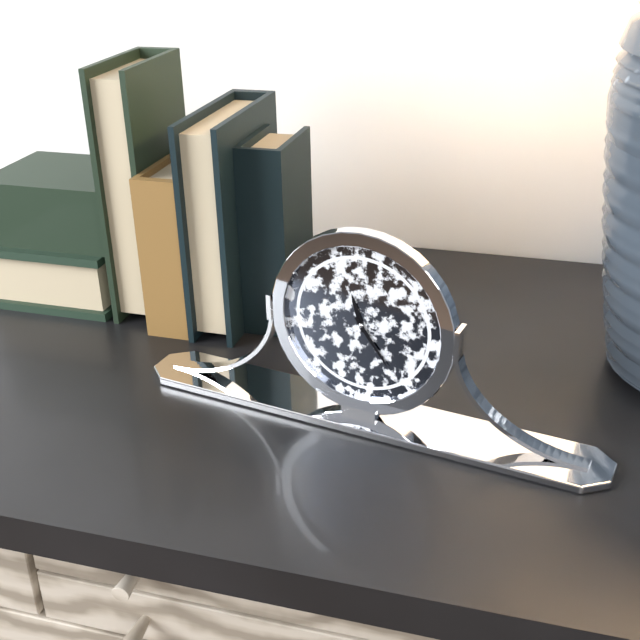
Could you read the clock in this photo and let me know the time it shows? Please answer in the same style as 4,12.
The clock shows 11,24
